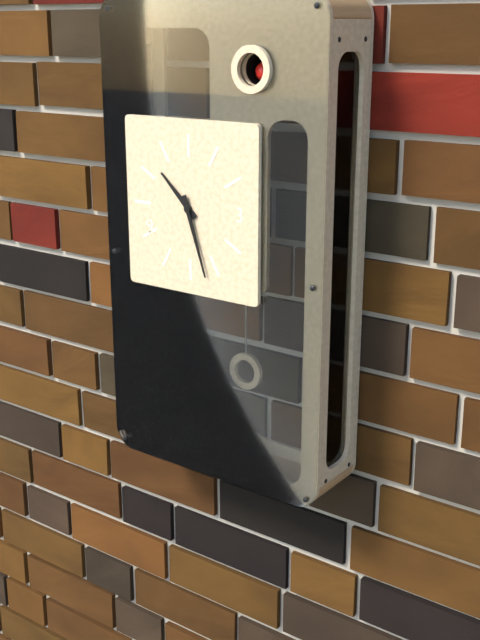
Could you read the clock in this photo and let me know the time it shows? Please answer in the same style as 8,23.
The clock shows 10,27
